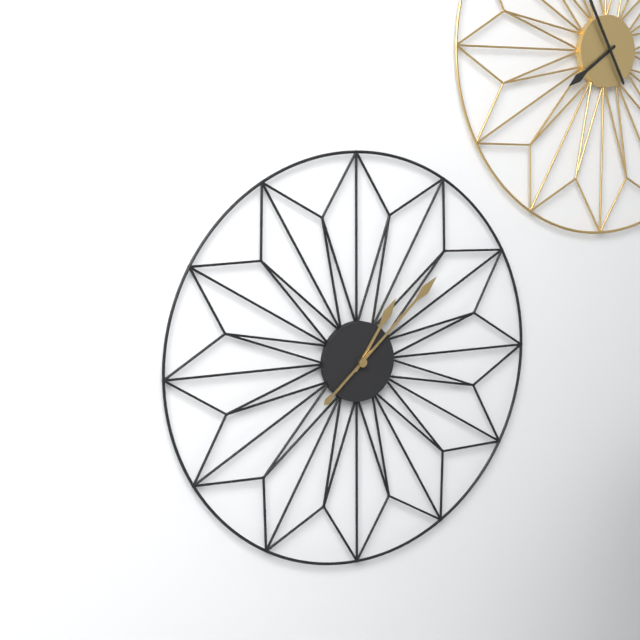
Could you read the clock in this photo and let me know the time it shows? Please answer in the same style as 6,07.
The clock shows 1,08
